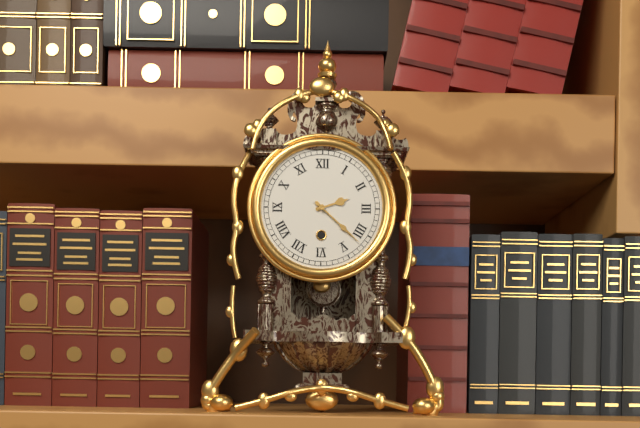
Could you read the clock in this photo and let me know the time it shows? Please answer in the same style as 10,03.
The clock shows 2,22
